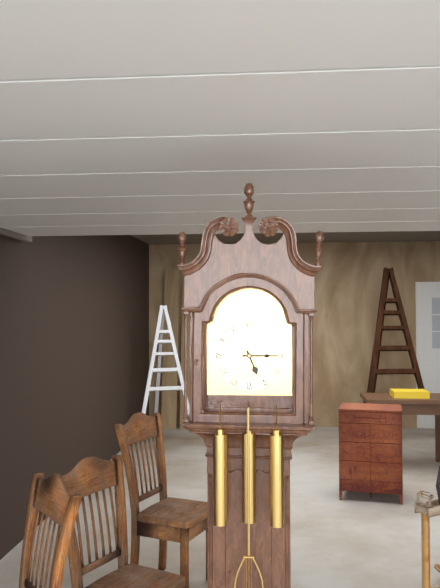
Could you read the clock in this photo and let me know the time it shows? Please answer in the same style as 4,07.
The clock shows 5,15
